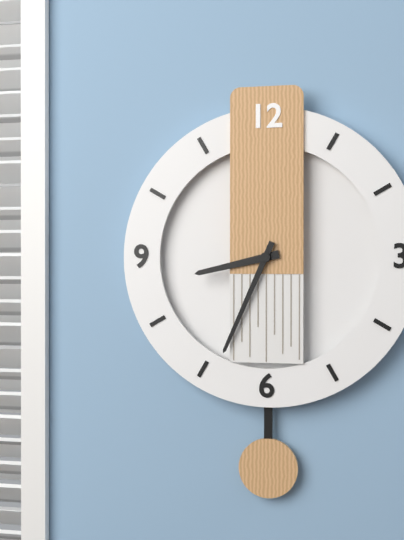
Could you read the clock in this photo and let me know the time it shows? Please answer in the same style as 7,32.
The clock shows 8,34
